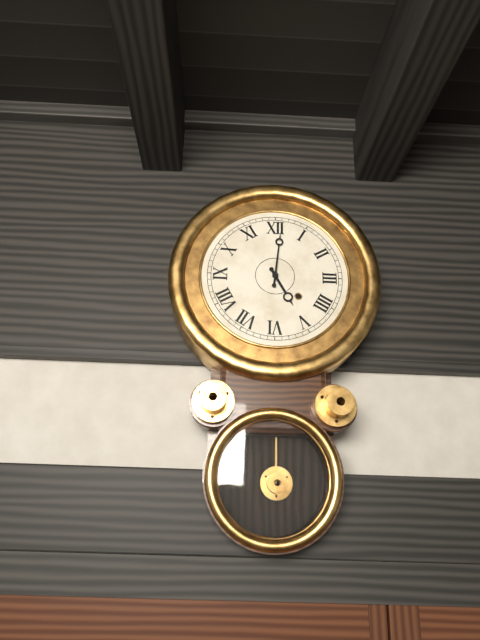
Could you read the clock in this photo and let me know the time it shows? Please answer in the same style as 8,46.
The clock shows 5,01
